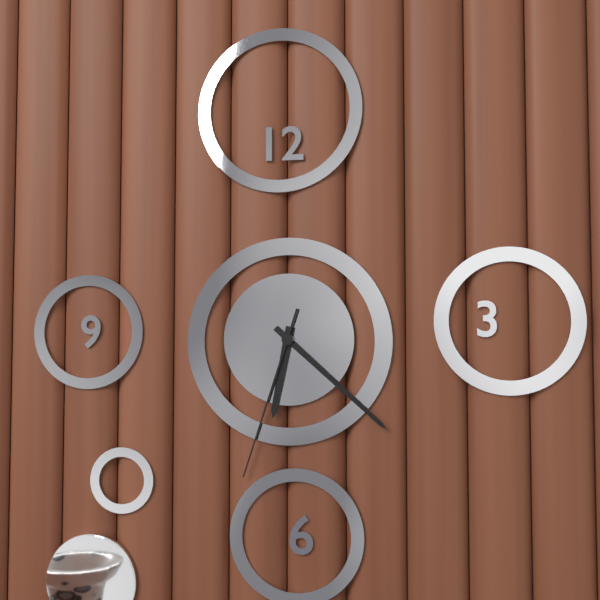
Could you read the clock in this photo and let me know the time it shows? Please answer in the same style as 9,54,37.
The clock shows 6,22,33
